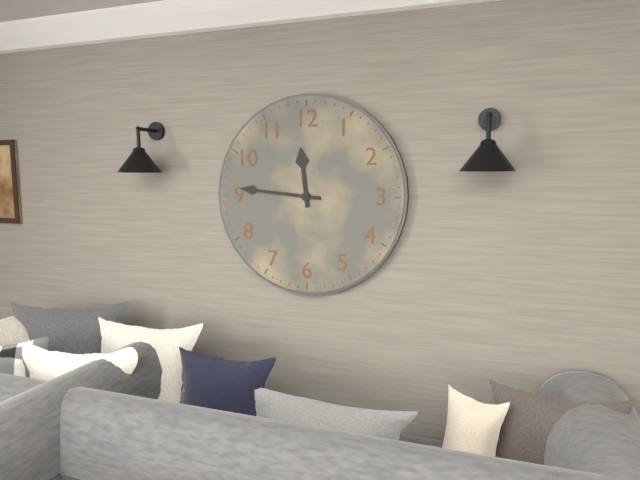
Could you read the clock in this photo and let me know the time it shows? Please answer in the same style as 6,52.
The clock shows 11,46
